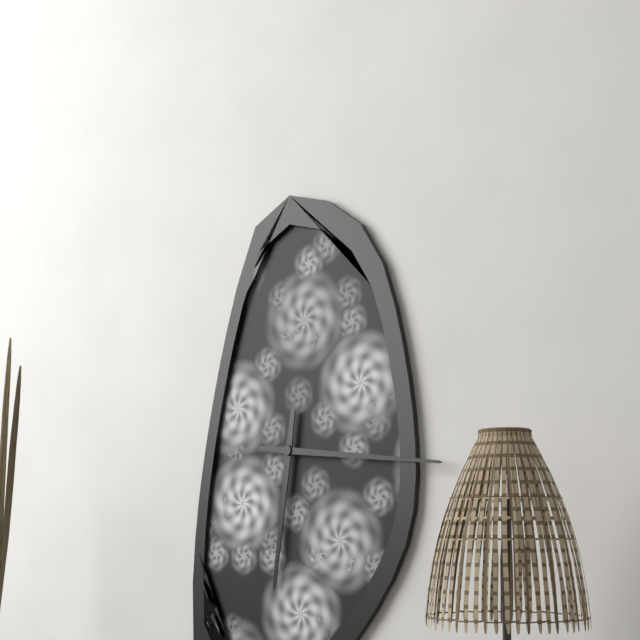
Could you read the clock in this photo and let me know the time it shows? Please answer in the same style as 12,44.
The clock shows 6,16
